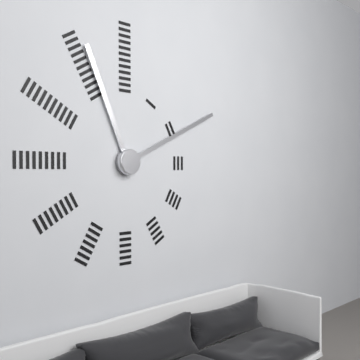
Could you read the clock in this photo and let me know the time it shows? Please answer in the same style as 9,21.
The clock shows 11,11
